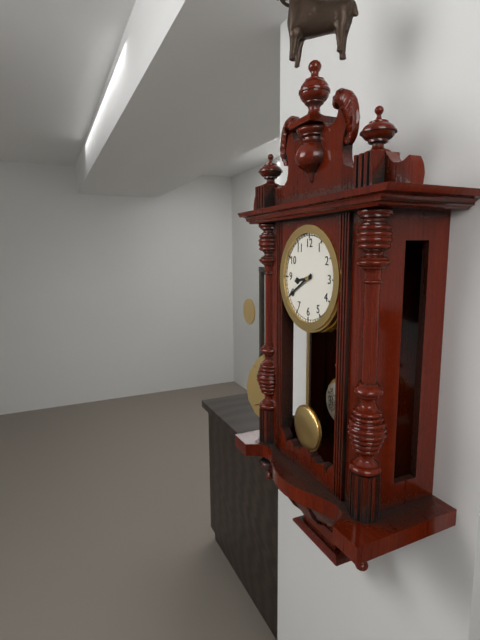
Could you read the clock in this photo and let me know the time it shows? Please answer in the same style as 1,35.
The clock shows 8,40
